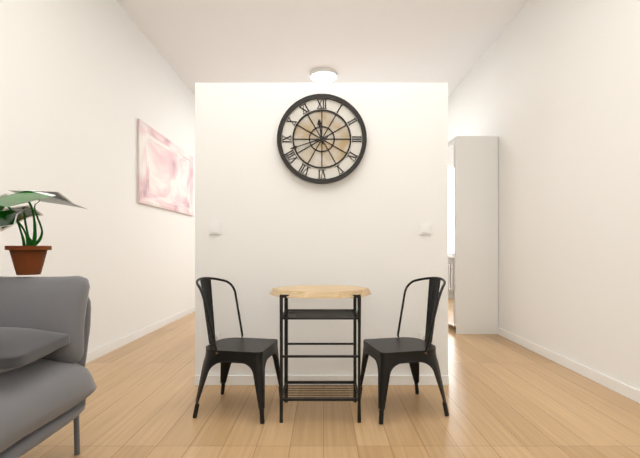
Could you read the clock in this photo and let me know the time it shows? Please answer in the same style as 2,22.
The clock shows 11,42
